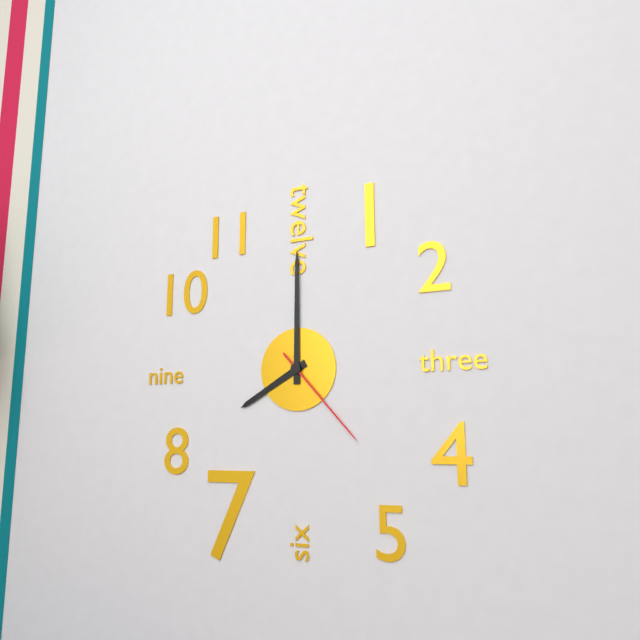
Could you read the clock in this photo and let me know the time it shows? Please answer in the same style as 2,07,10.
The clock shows 8,00,23
